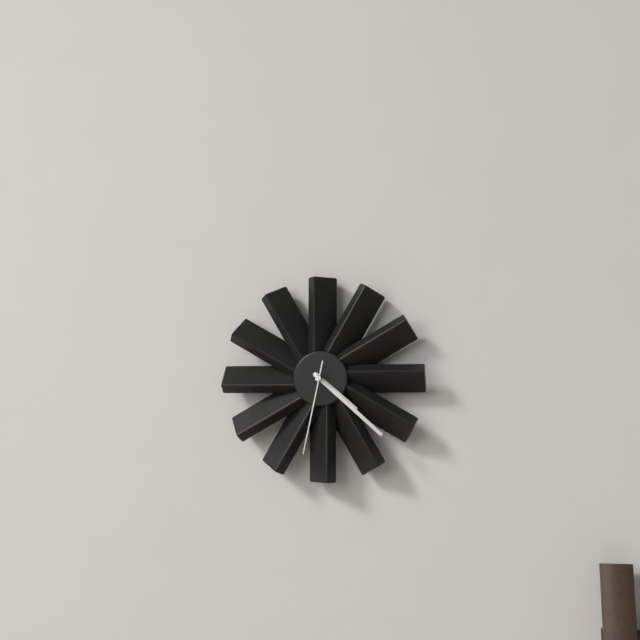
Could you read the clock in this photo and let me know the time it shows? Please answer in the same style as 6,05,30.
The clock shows 4,22,32
